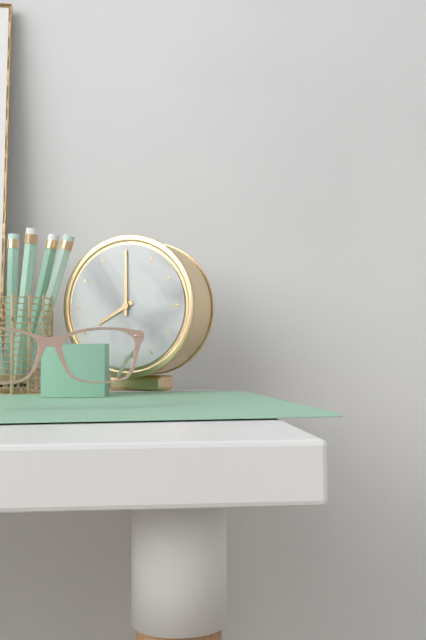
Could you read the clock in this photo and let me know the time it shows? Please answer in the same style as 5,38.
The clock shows 8,00
